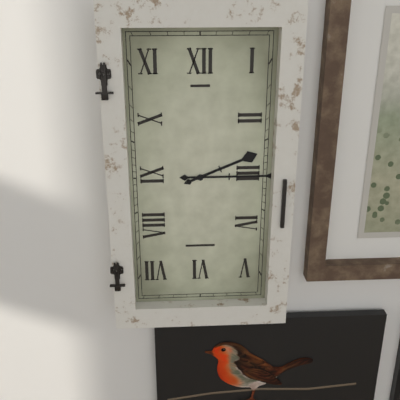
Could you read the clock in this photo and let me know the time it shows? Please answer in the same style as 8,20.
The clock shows 2,15
